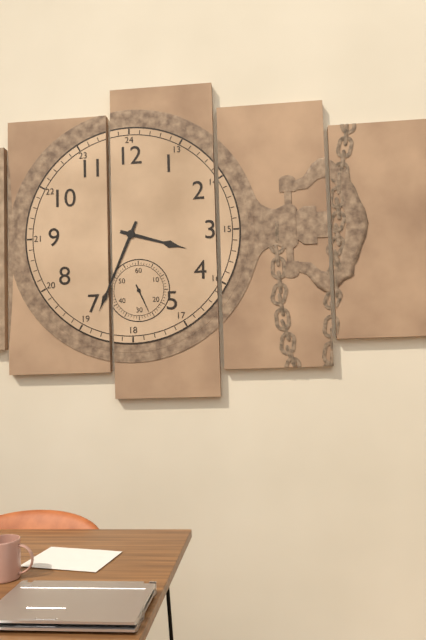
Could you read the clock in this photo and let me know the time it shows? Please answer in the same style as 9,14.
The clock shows 3,34
